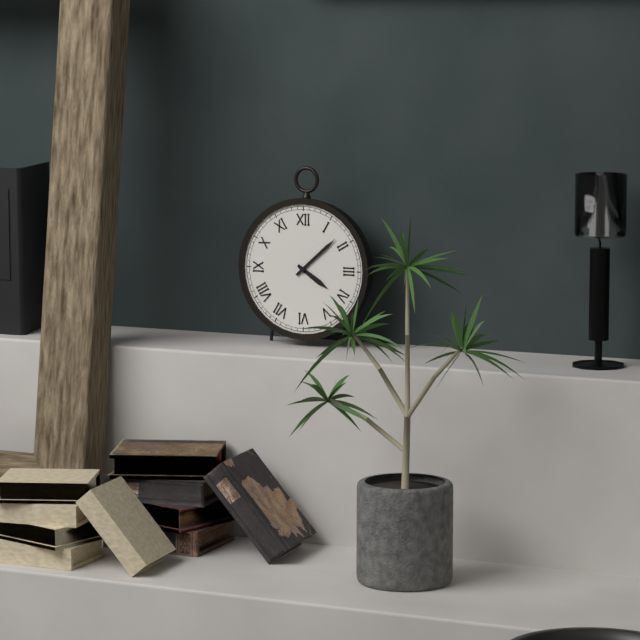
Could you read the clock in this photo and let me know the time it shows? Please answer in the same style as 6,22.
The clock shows 4,08
